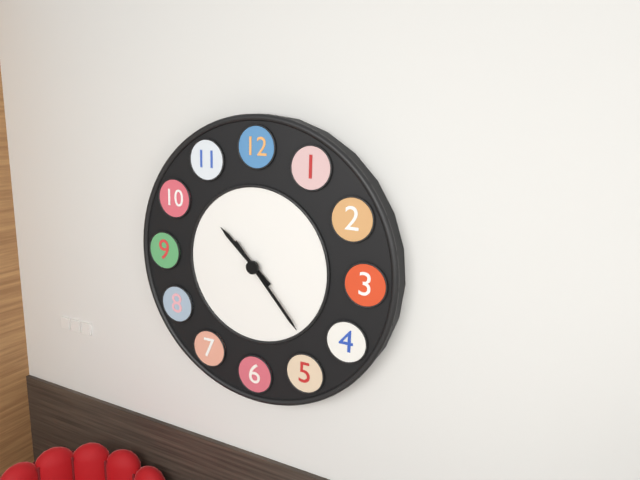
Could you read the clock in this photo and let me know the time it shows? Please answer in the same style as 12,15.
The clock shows 10,23
